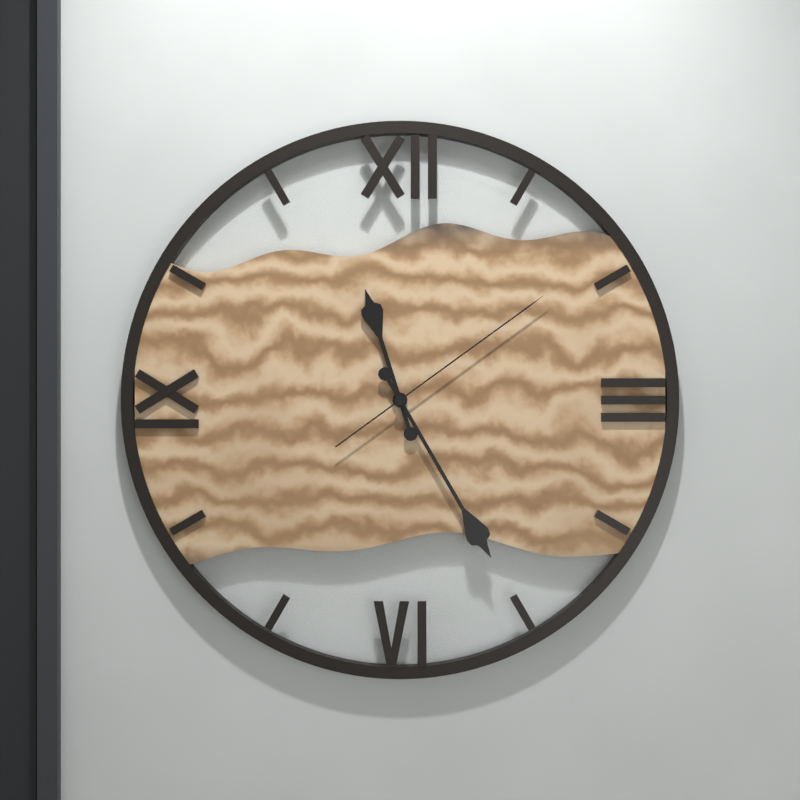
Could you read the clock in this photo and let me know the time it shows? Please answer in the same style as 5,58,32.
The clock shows 11,25,09
